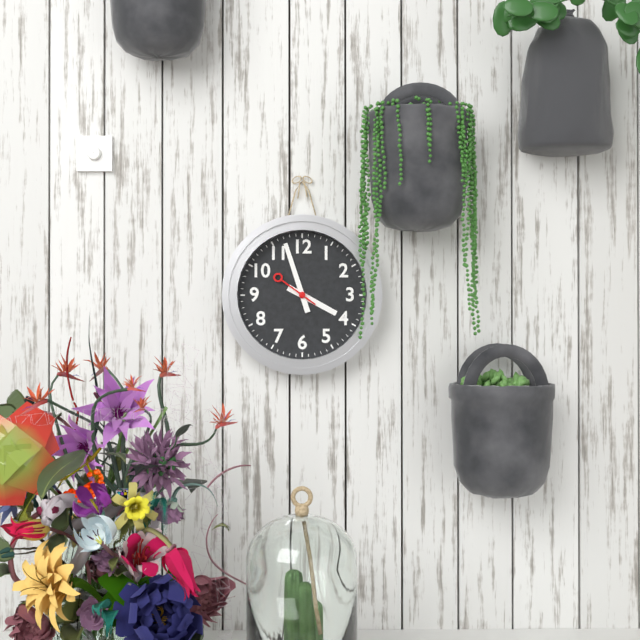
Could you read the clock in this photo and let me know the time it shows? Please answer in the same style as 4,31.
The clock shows 3,57
